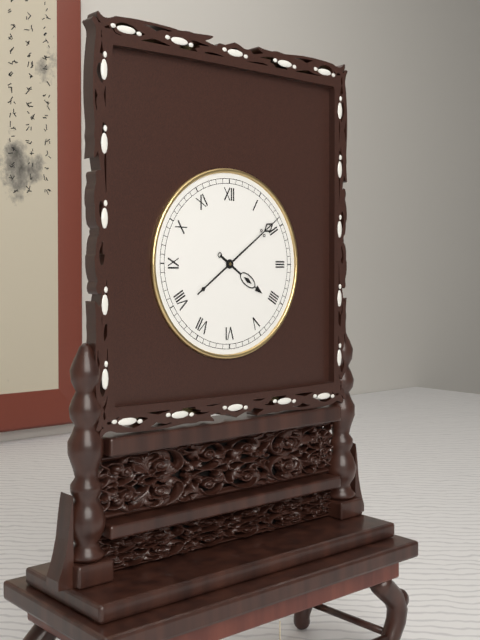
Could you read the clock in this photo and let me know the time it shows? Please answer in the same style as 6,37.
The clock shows 4,09
